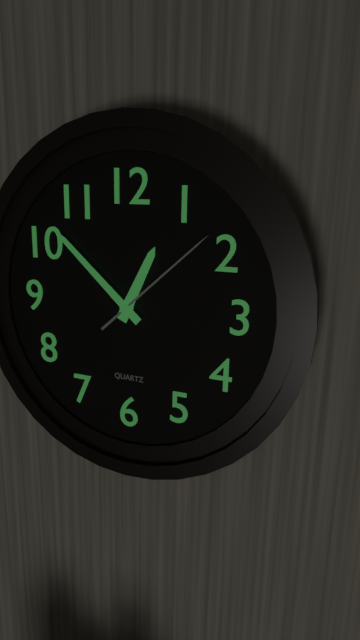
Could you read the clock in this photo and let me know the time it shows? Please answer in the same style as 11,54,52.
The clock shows 12,52,08
